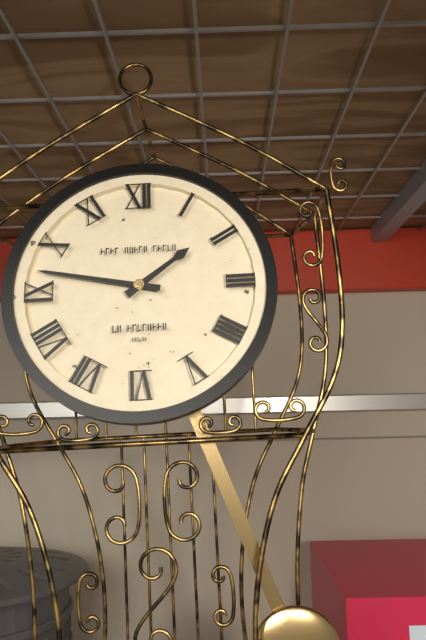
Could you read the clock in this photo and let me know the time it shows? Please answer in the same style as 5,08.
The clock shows 1,47
